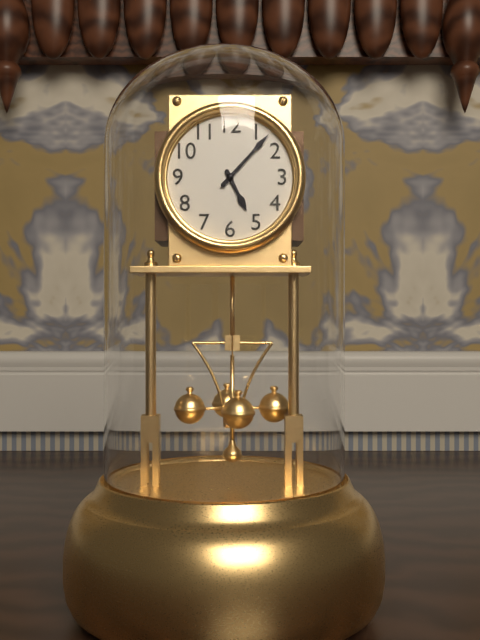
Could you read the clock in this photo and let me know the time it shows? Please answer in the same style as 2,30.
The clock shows 5,07
